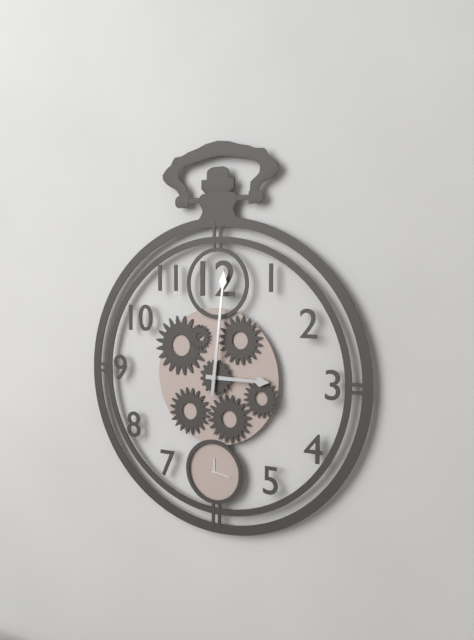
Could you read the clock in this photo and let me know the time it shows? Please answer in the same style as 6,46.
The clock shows 3,01
